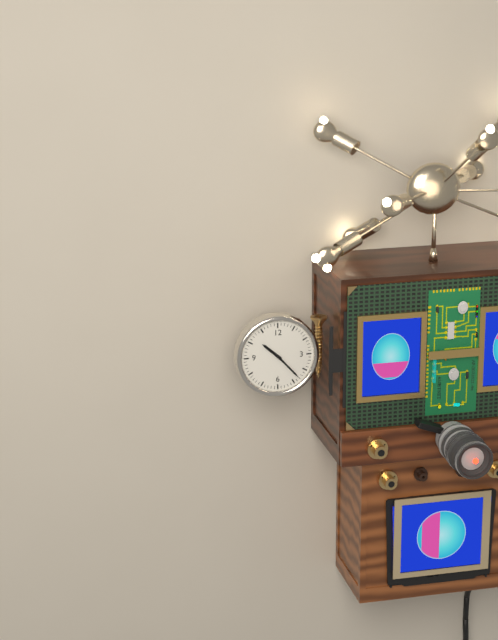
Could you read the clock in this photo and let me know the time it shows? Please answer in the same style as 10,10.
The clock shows 10,23
